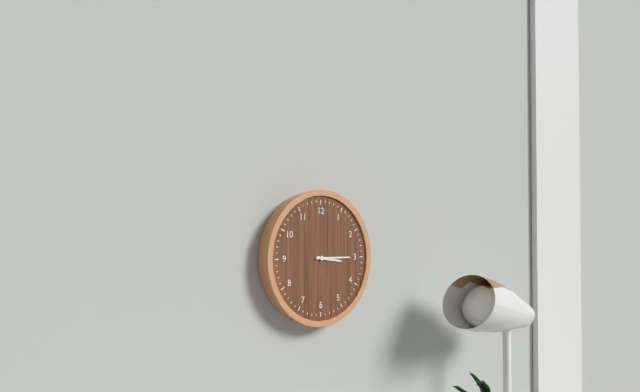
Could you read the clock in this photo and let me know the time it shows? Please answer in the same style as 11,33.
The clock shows 3,15
